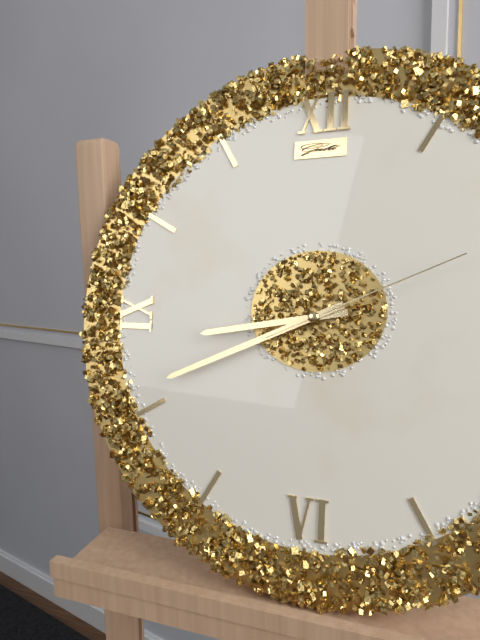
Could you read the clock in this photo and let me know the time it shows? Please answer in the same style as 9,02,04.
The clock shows 8,41,11
